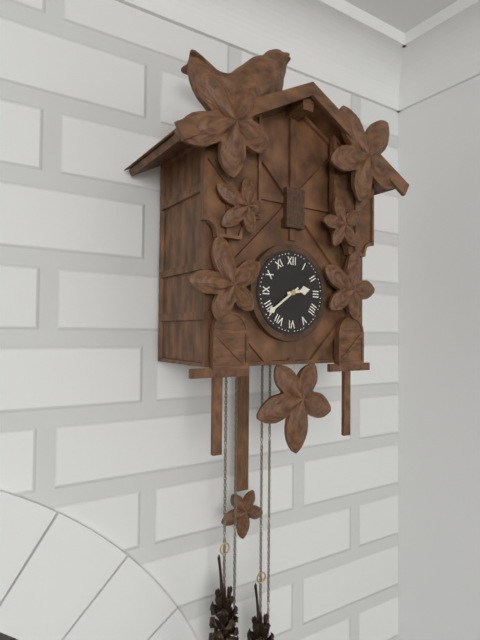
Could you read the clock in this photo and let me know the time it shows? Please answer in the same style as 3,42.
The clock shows 2,39
